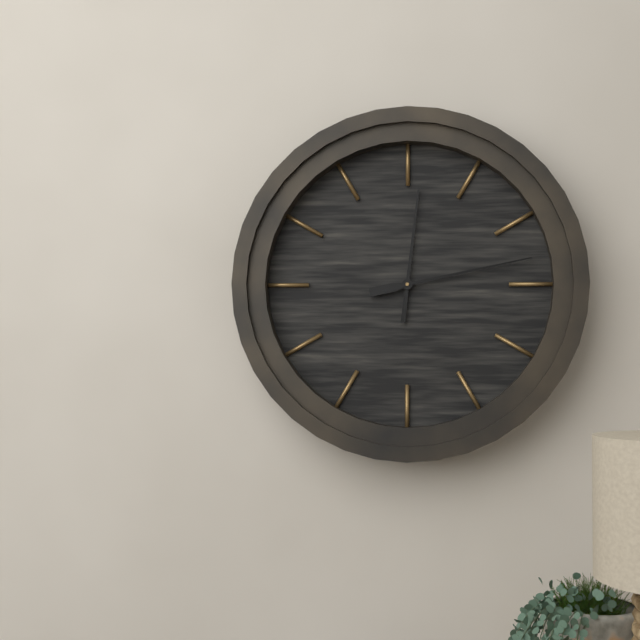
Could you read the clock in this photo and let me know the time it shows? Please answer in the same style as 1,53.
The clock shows 12,13
